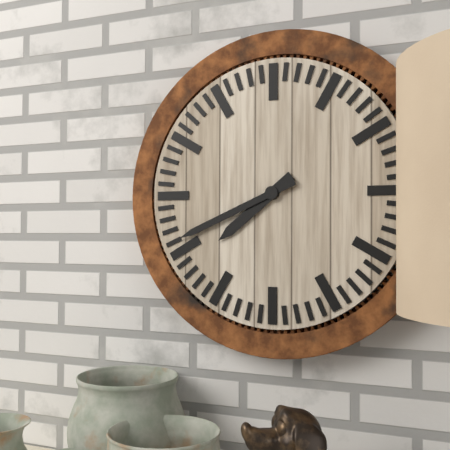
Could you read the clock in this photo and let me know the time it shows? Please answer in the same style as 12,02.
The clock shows 7,41
